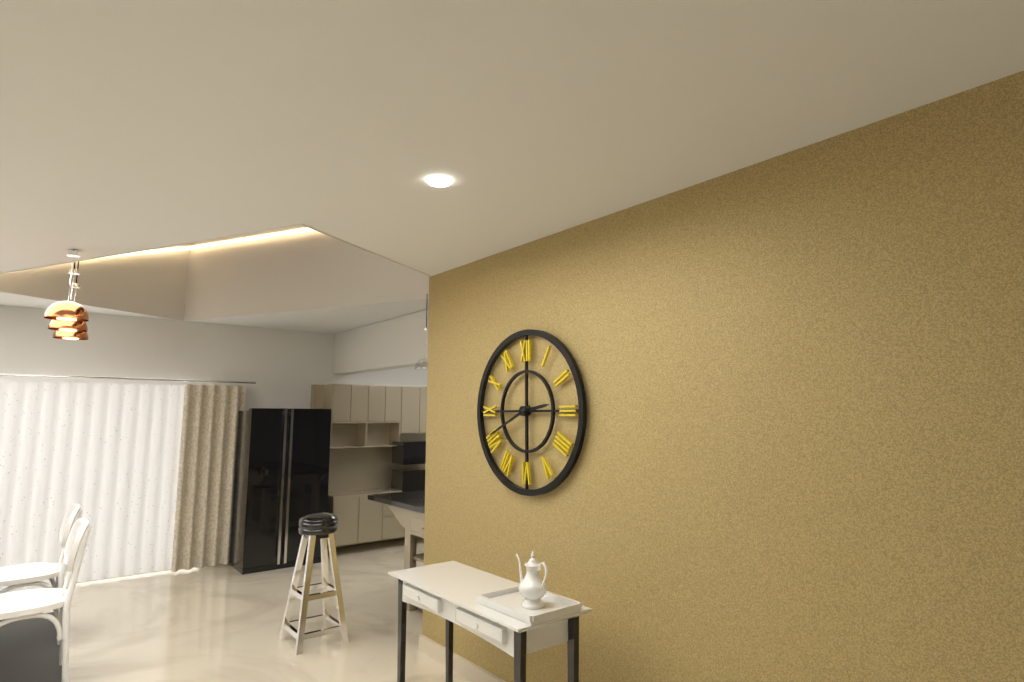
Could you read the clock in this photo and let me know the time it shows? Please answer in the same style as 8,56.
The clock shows 2,41
